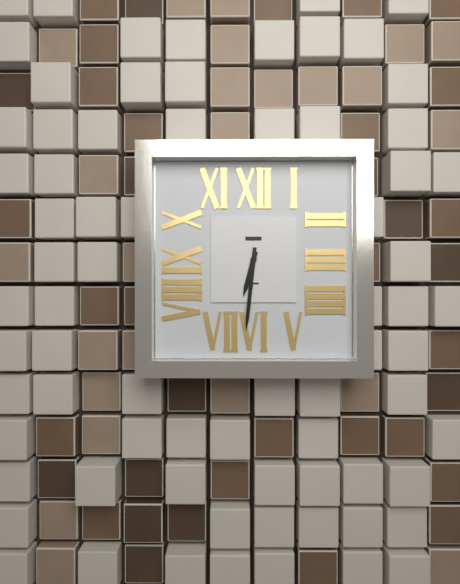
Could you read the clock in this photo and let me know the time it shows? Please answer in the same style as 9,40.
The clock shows 6,31
